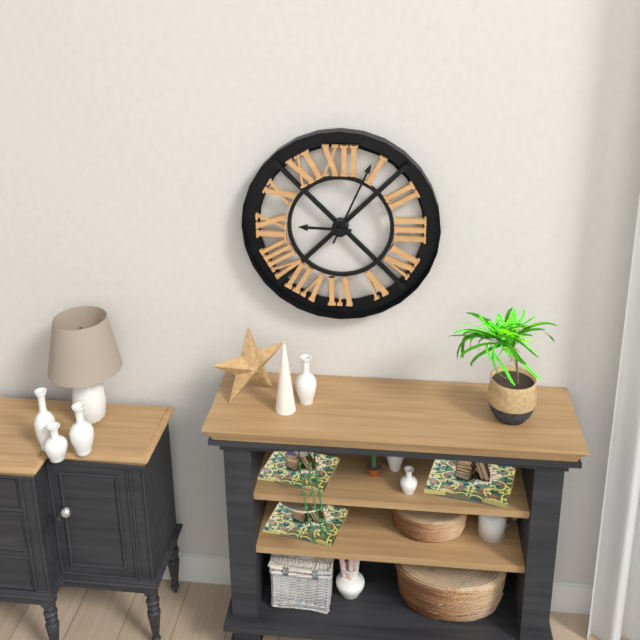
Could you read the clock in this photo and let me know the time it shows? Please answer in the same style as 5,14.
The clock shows 9,04
